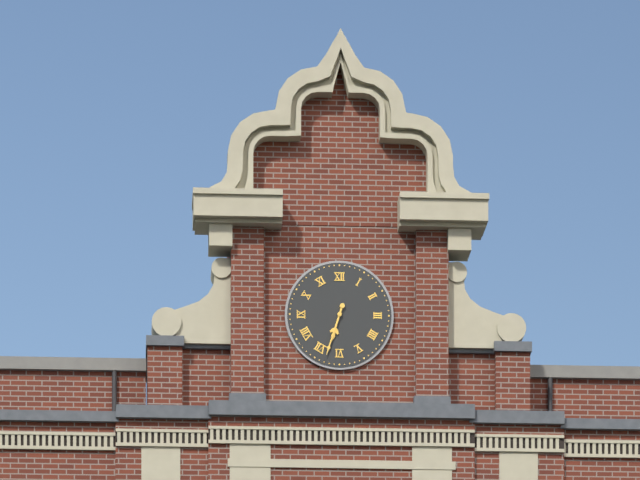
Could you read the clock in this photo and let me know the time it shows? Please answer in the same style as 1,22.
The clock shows 6,33
